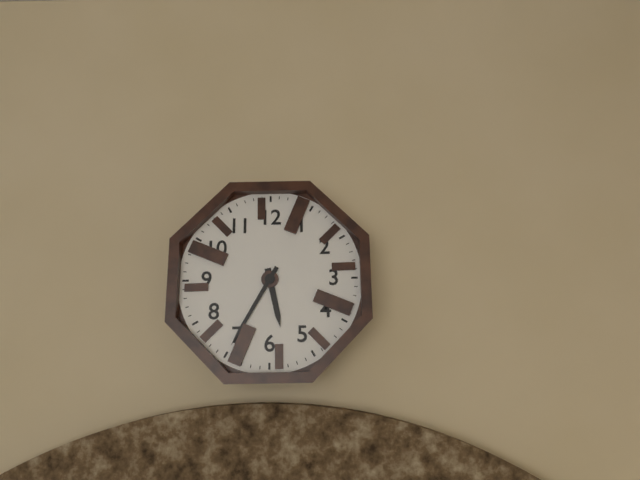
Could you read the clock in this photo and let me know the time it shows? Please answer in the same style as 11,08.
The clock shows 5,35
